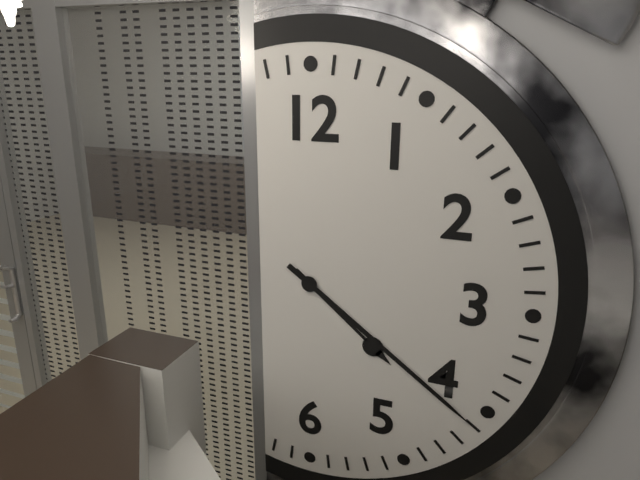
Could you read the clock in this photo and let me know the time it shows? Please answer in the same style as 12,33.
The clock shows 4,21
